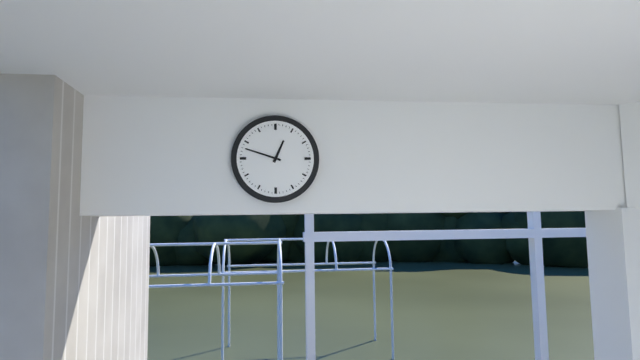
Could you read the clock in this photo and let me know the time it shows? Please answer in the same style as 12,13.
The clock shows 12,48
